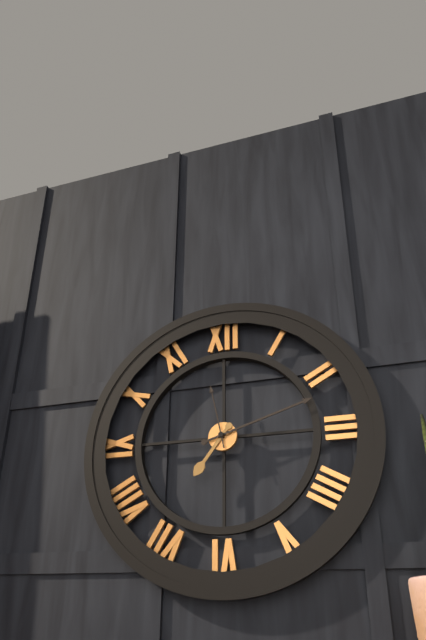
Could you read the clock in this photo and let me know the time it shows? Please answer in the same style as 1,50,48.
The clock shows 7,12,58
